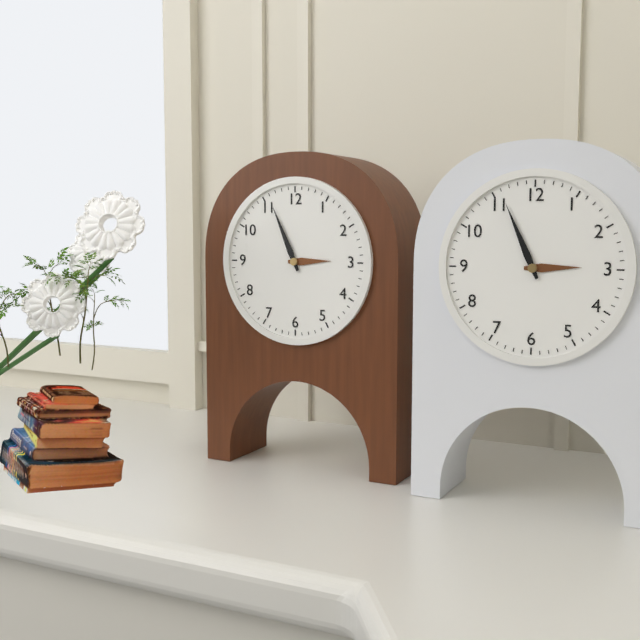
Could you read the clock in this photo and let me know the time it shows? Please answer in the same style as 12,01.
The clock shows 2,56
